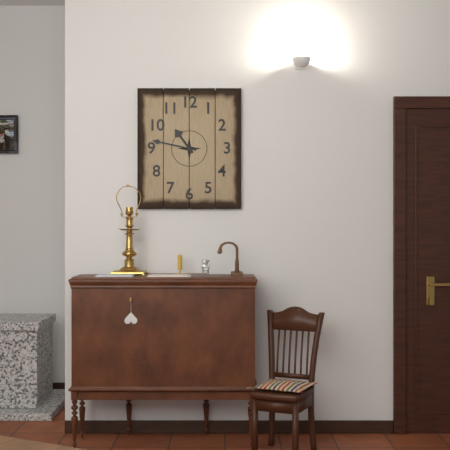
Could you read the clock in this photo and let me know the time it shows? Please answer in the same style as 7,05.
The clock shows 10,47
